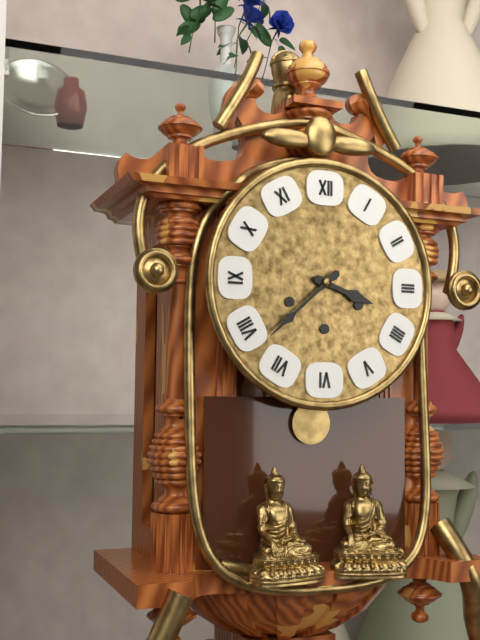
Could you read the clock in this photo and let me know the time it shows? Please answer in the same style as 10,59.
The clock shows 3,38
